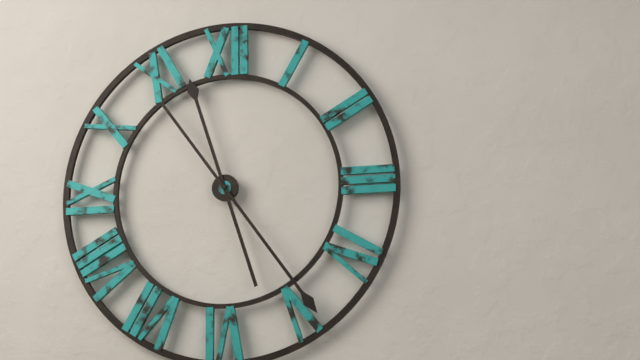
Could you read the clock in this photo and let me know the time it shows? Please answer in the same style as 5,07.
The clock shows 11,24
